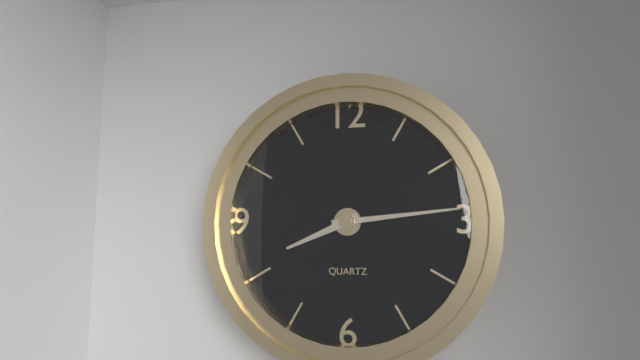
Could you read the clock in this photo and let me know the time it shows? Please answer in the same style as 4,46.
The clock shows 8,14
